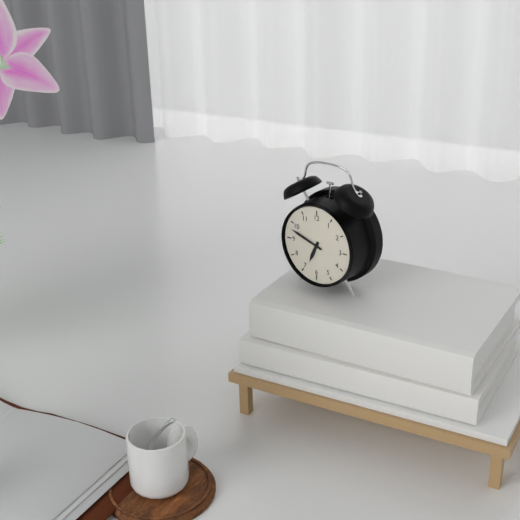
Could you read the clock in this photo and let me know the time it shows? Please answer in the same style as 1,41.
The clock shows 6,48
